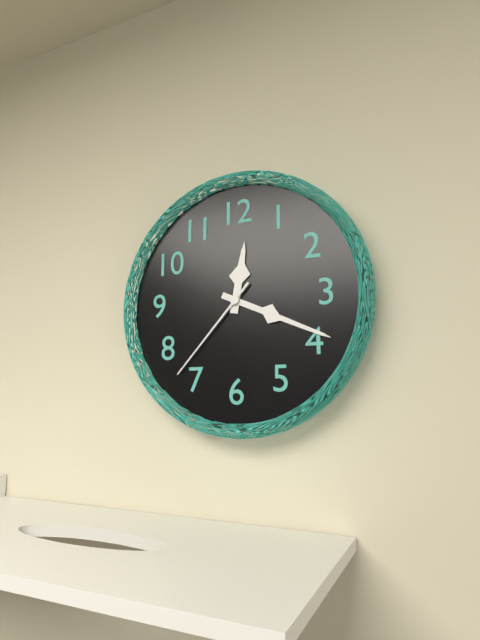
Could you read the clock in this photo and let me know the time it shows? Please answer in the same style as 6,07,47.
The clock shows 12,19,37
